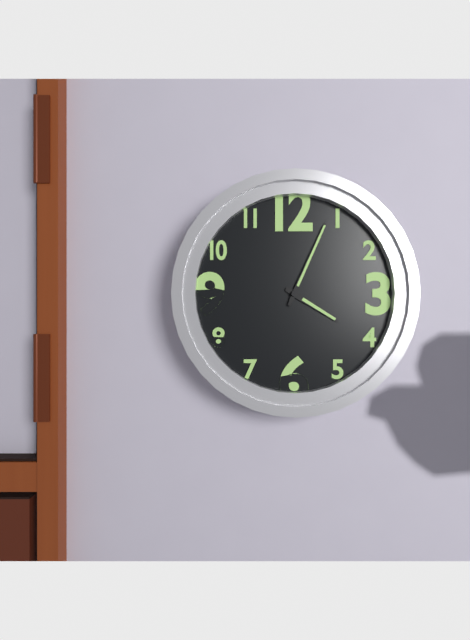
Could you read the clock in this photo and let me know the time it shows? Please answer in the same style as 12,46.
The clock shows 4,04
